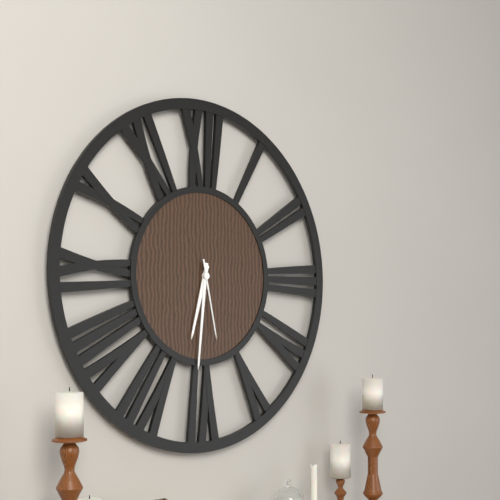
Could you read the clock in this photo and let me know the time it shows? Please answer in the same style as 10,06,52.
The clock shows 6,31,28
